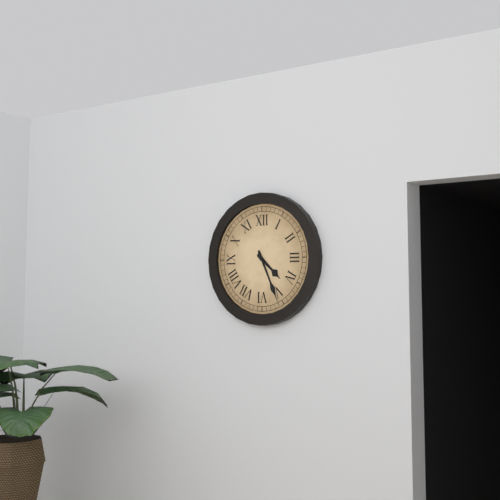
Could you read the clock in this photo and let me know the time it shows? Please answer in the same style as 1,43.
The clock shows 4,26
